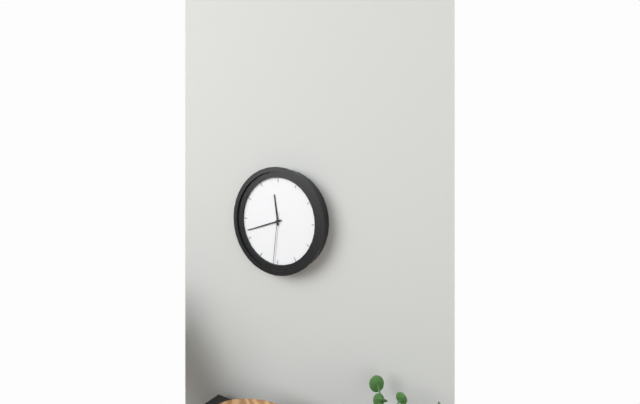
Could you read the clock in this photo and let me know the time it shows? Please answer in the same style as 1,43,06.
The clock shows 11,42,31
